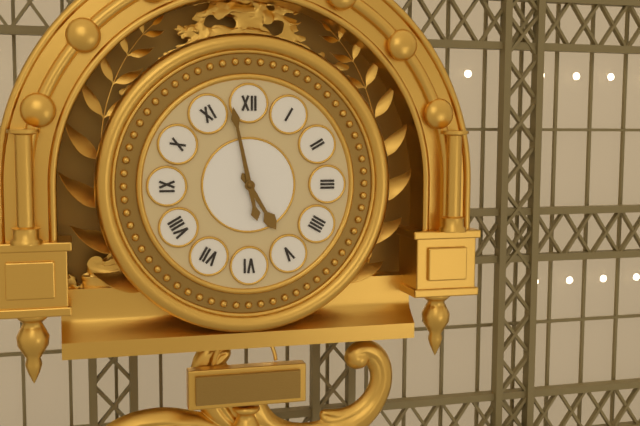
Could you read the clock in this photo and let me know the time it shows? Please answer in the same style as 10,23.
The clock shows 4,58
